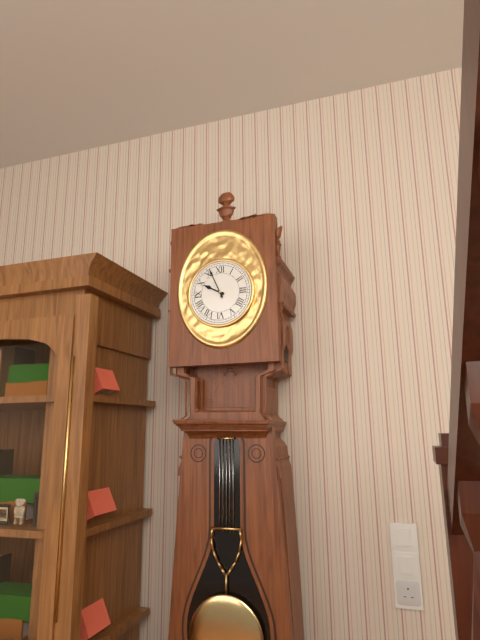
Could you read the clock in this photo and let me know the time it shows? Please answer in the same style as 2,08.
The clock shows 9,56
